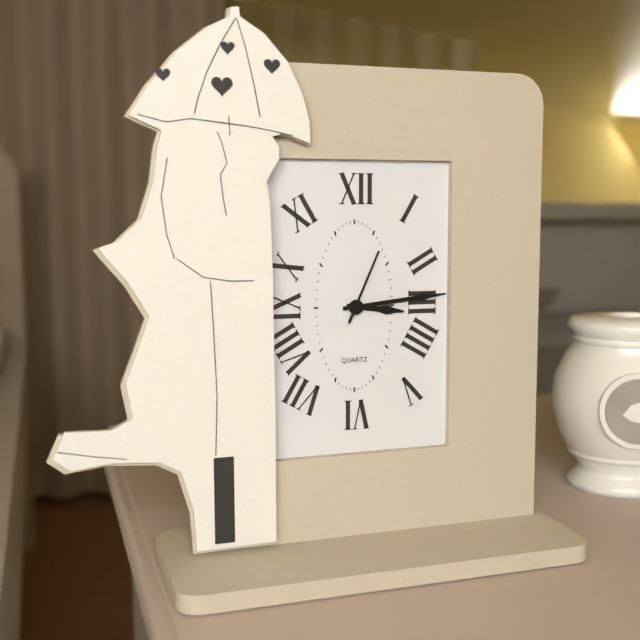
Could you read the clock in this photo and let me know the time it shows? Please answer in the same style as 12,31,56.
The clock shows 3,14,04
